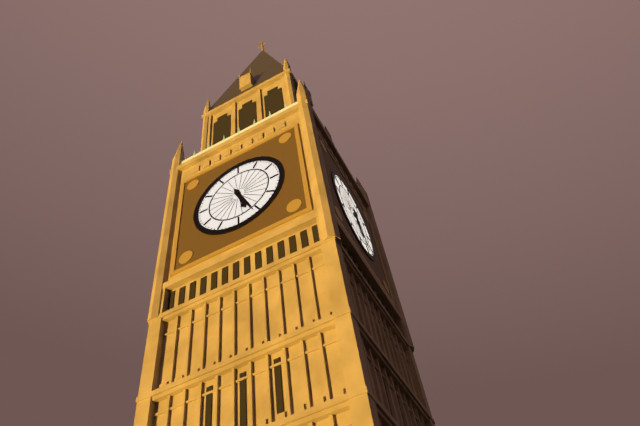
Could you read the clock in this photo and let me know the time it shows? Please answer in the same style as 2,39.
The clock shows 5,26
